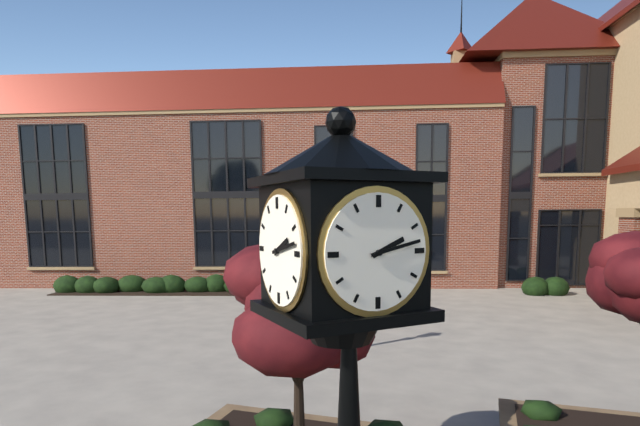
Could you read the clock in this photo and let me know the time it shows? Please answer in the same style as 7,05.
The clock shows 2,13
